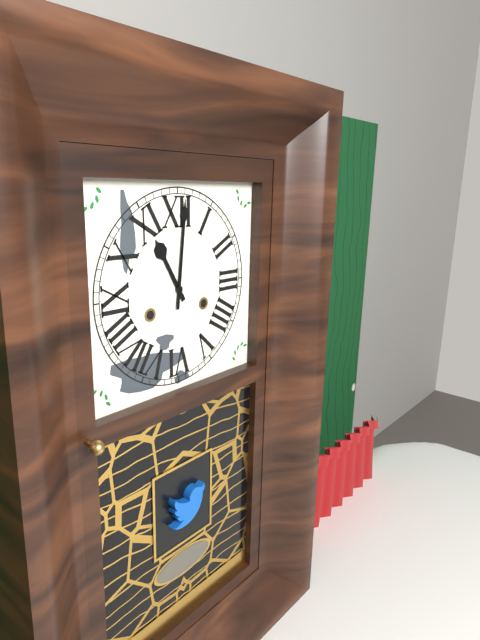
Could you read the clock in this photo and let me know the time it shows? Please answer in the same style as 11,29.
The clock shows 11,01
